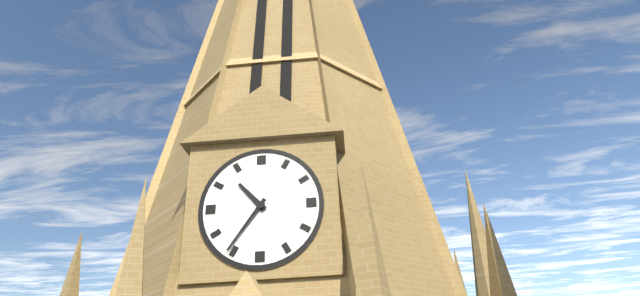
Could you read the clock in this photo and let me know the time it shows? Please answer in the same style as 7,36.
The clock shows 10,36
